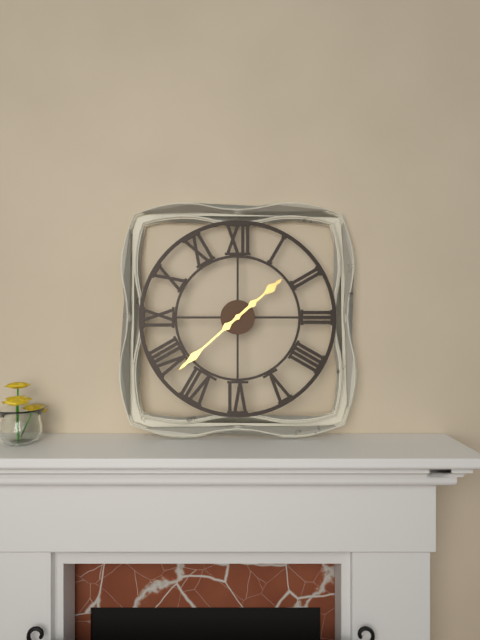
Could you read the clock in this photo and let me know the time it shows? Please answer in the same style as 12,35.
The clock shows 1,38
